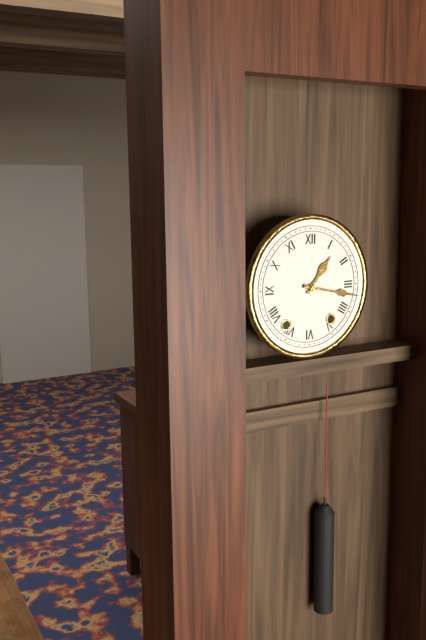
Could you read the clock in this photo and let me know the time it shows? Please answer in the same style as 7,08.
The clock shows 1,17
